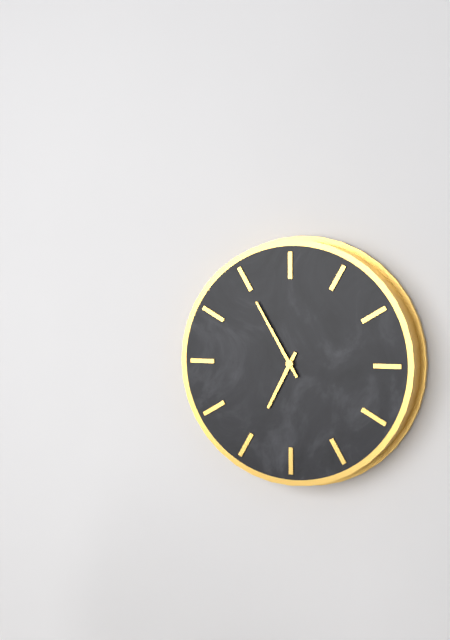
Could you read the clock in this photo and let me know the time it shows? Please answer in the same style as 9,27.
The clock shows 6,55
